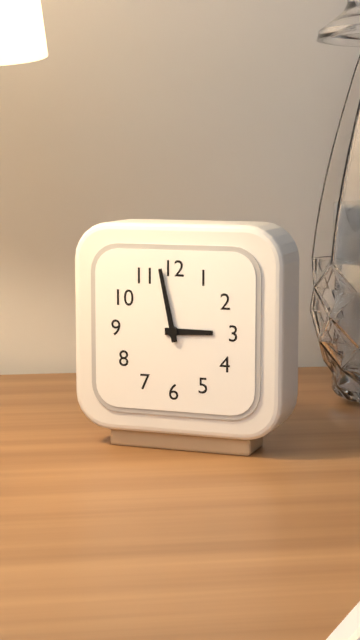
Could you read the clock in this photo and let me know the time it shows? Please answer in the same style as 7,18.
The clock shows 2,58
